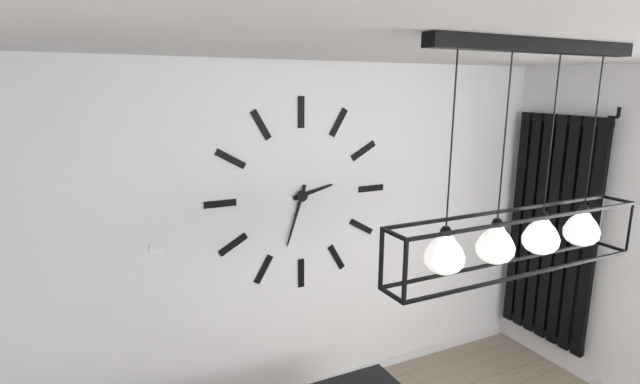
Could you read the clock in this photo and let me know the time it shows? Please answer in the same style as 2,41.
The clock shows 2,33
